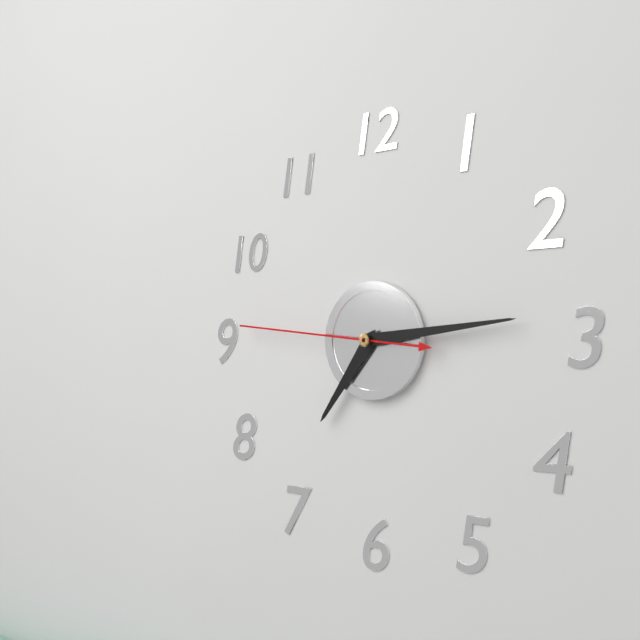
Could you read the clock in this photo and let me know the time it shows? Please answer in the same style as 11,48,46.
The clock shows 7,14,46
